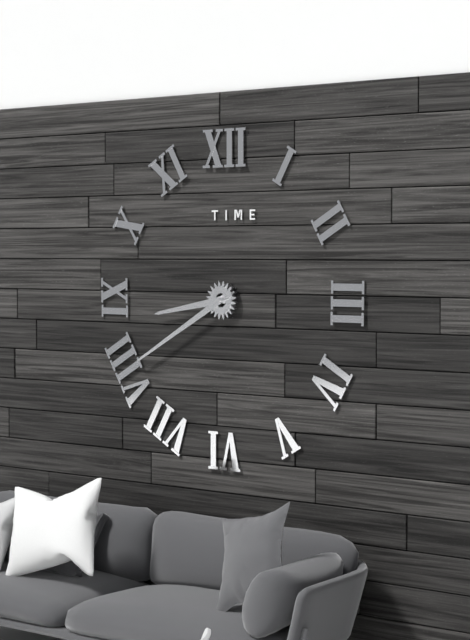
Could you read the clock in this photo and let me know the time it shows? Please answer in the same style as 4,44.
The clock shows 8,40
